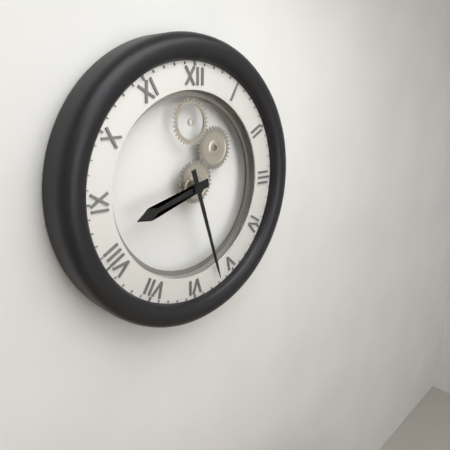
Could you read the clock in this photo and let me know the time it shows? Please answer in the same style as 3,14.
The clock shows 8,27
